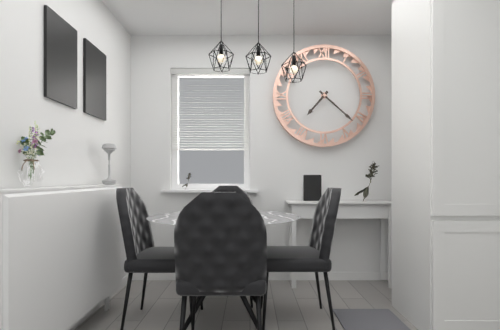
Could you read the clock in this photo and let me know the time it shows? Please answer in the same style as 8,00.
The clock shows 7,22
